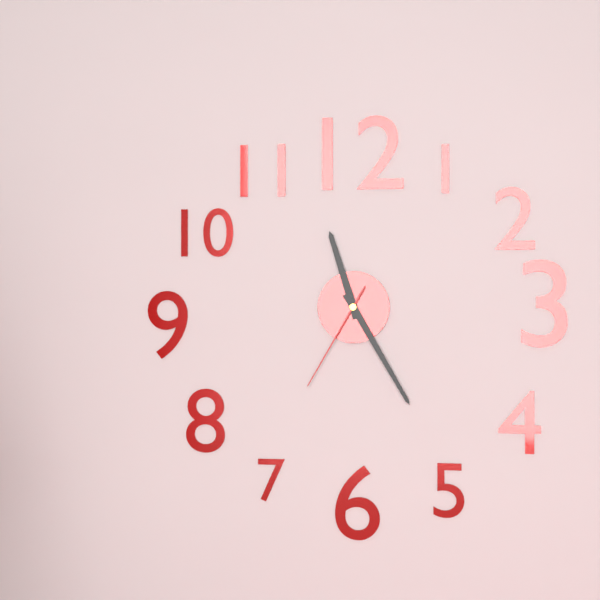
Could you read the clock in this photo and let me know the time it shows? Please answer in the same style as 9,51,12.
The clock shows 11,25,35
